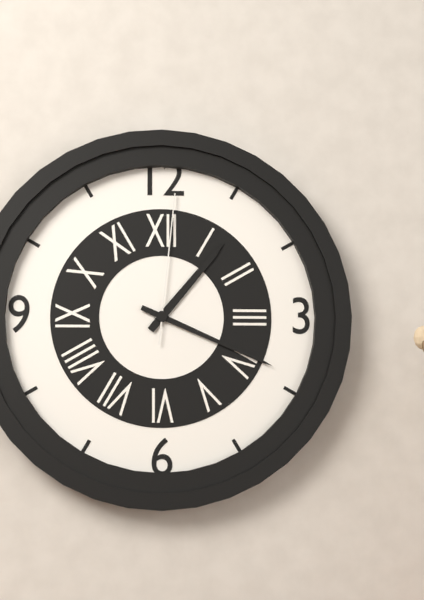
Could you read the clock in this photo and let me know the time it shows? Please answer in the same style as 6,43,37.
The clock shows 1,19,01
